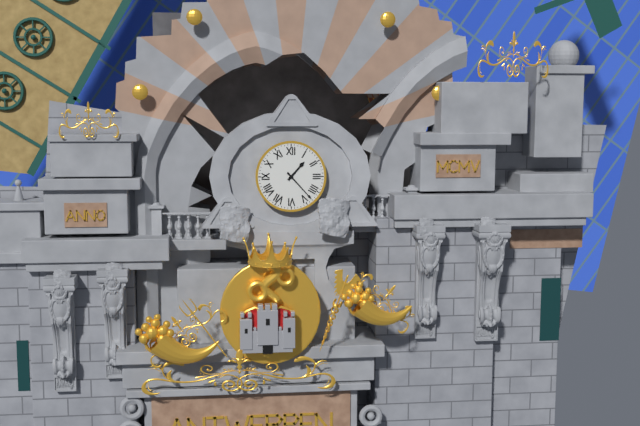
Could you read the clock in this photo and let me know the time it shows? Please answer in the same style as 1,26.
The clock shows 1,23
